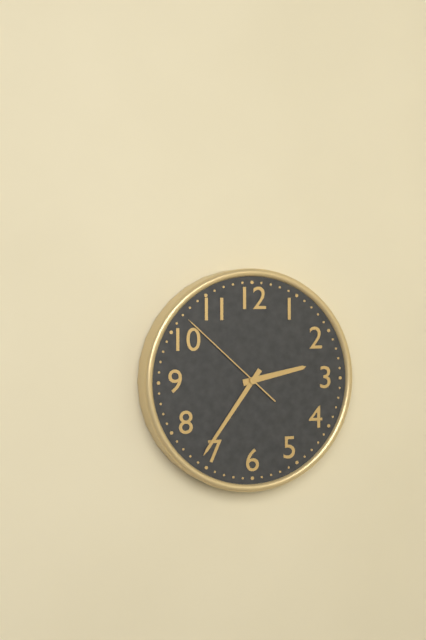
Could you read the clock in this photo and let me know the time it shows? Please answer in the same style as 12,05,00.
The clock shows 2,36,52
